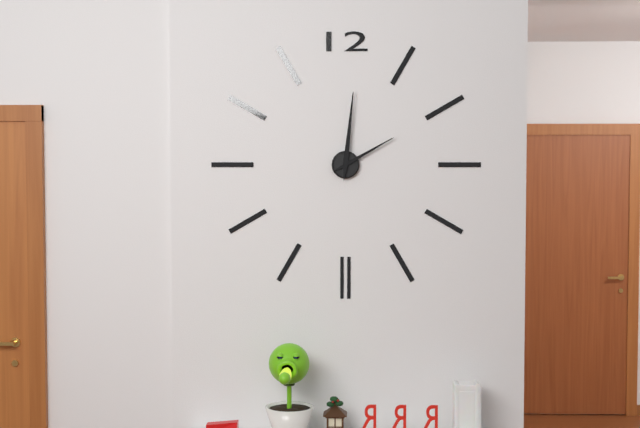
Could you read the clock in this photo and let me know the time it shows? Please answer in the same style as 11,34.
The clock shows 2,01
